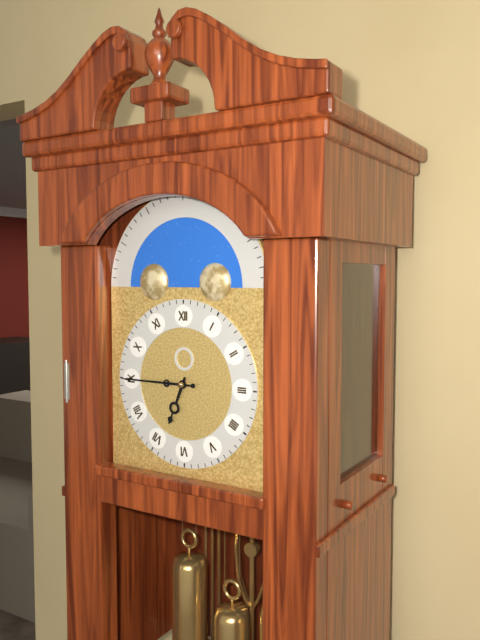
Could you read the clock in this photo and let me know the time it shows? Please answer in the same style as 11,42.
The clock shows 6,45
